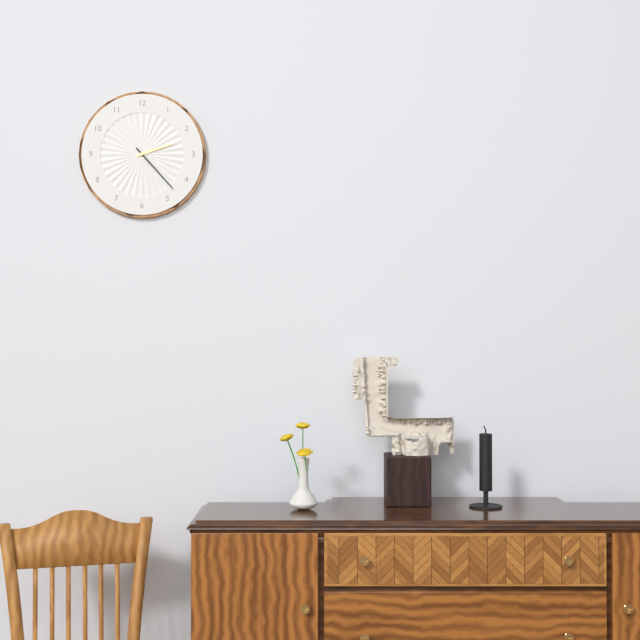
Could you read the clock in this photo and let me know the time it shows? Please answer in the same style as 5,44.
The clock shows 2,23
